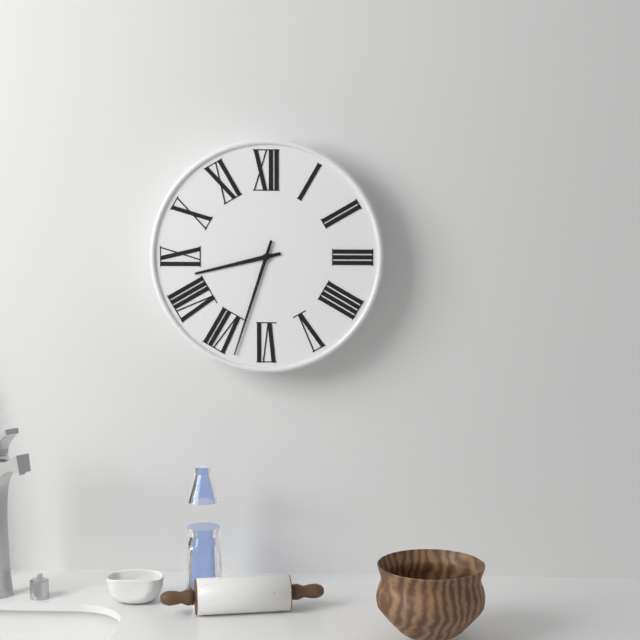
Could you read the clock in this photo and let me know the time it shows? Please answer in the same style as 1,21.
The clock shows 8,33
